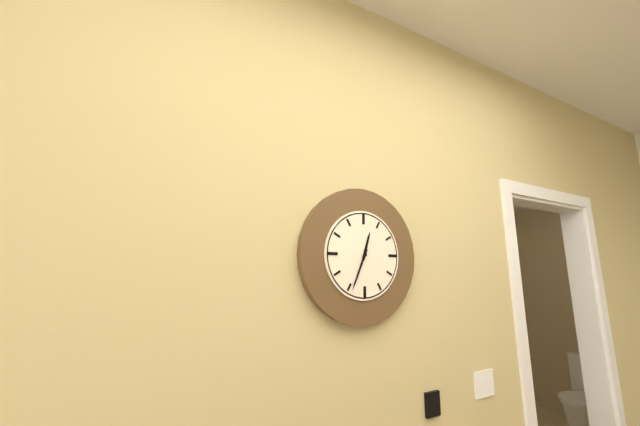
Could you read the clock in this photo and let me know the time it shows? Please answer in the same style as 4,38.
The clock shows 12,34
